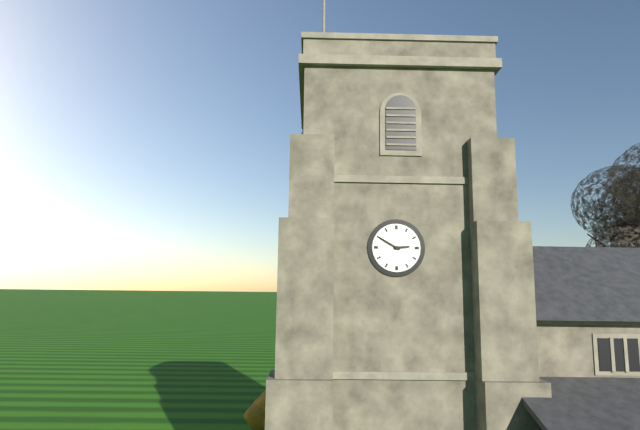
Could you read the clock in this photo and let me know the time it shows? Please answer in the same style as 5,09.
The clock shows 2,50
